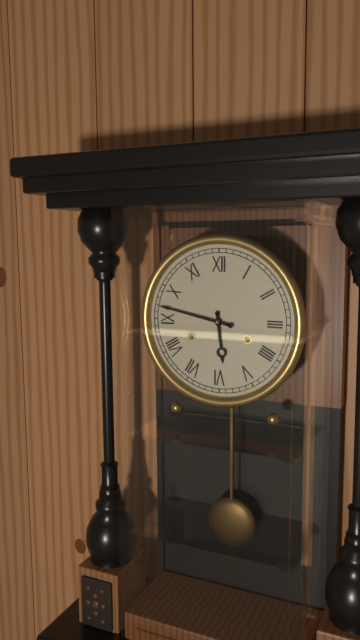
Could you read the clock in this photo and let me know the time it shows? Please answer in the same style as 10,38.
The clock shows 5,47
